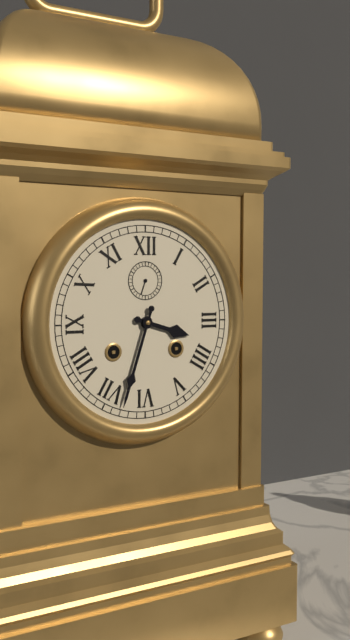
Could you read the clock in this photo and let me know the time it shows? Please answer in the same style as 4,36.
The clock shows 3,33
